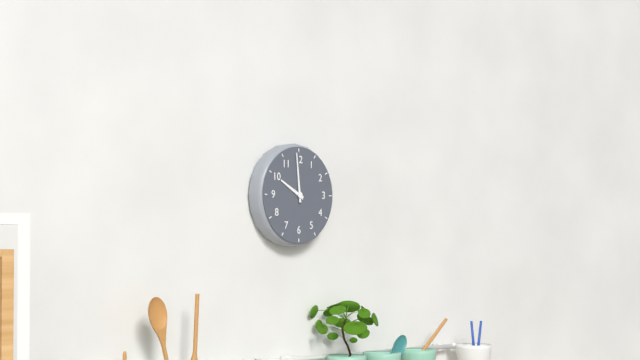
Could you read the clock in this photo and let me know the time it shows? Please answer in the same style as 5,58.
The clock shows 9,59
